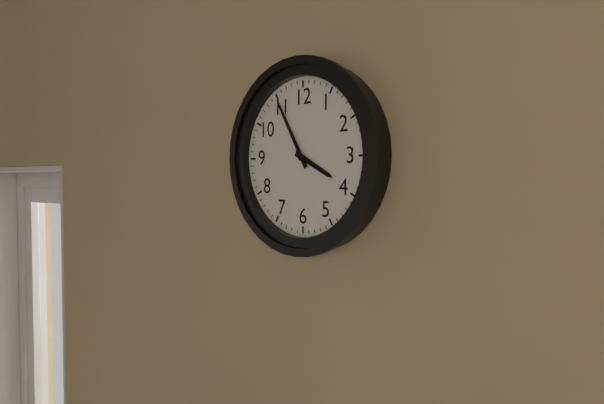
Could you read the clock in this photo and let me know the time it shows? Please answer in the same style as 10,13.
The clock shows 3,55
